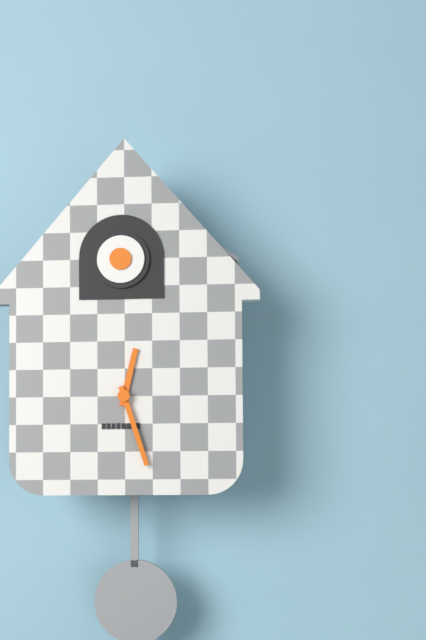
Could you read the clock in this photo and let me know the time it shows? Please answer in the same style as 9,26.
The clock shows 12,27
